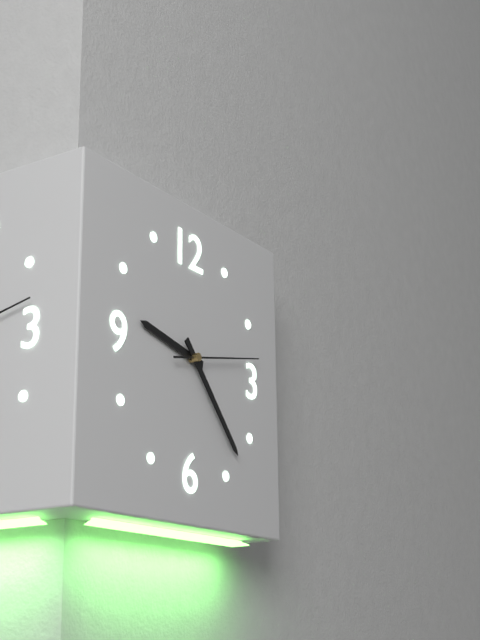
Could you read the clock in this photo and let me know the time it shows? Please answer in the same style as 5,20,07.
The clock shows 9,23,13
